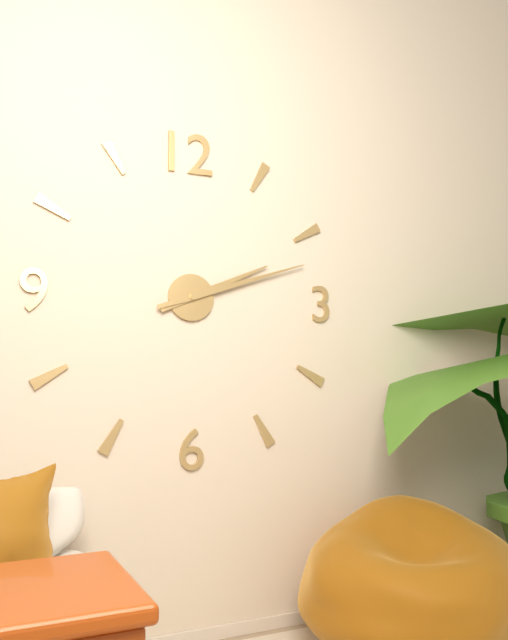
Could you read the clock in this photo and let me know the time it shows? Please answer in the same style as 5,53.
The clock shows 2,12
